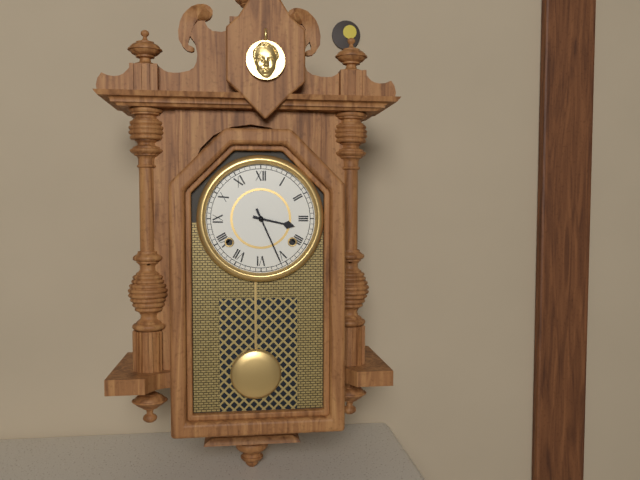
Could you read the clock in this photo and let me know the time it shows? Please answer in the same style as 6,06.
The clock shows 3,26
